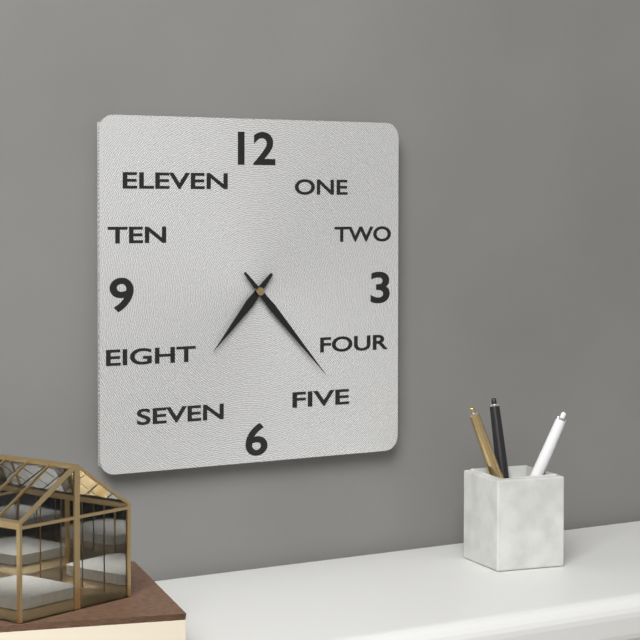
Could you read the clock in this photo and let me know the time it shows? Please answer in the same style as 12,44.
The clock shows 7,23
